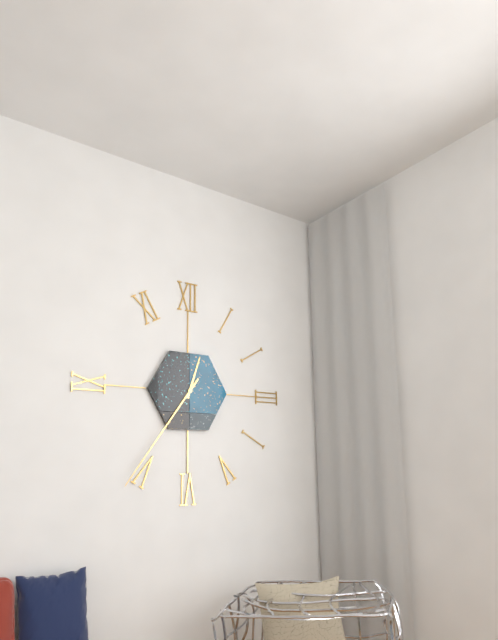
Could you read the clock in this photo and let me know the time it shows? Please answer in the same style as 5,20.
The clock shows 12,36
